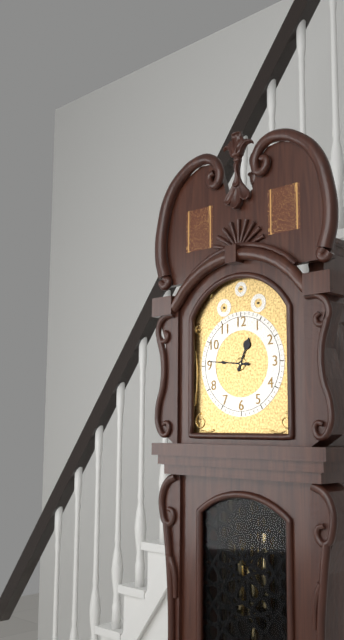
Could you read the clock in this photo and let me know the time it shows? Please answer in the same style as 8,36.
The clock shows 12,46
